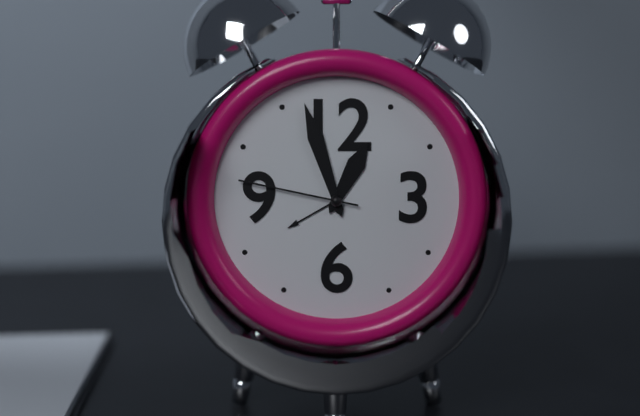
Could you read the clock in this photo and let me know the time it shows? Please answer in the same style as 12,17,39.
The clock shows 12,57,47
